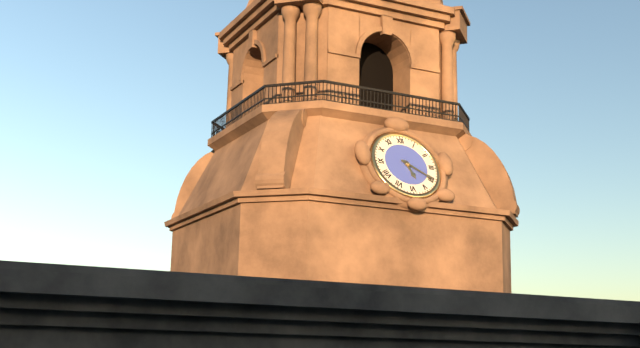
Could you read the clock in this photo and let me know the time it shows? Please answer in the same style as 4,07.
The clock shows 5,20
